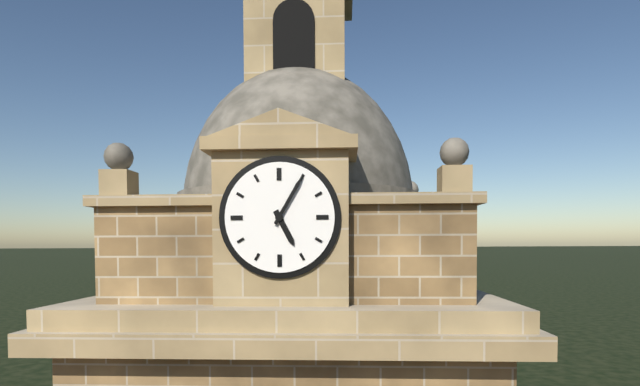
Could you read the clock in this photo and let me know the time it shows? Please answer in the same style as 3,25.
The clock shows 5,05
